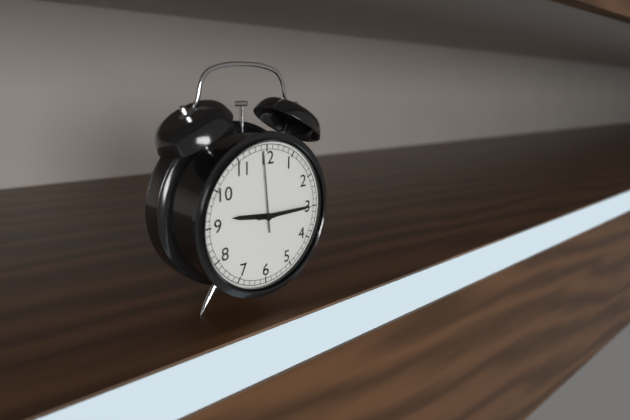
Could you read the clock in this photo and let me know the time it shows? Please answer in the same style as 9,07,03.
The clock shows 9,15,59
